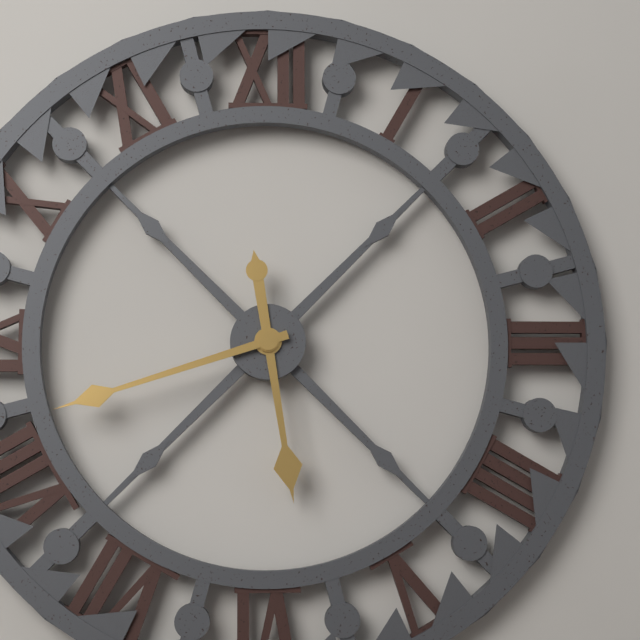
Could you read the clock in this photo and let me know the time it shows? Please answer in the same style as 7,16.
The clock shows 5,42
